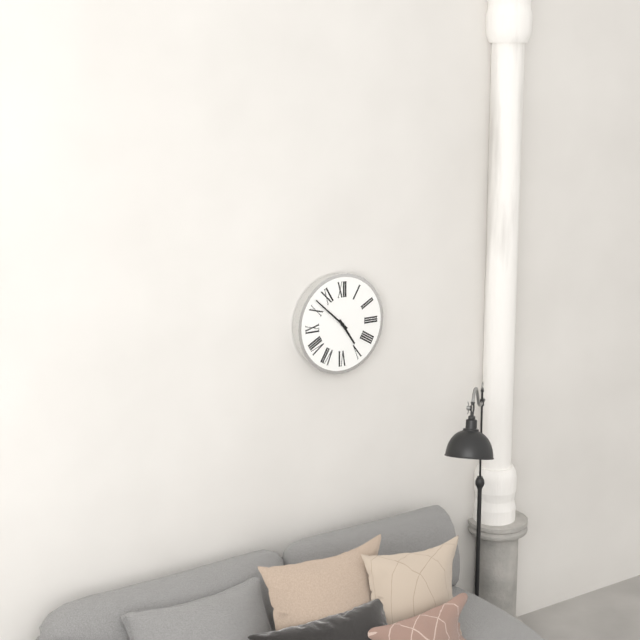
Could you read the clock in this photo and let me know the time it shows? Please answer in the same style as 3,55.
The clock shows 4,52
